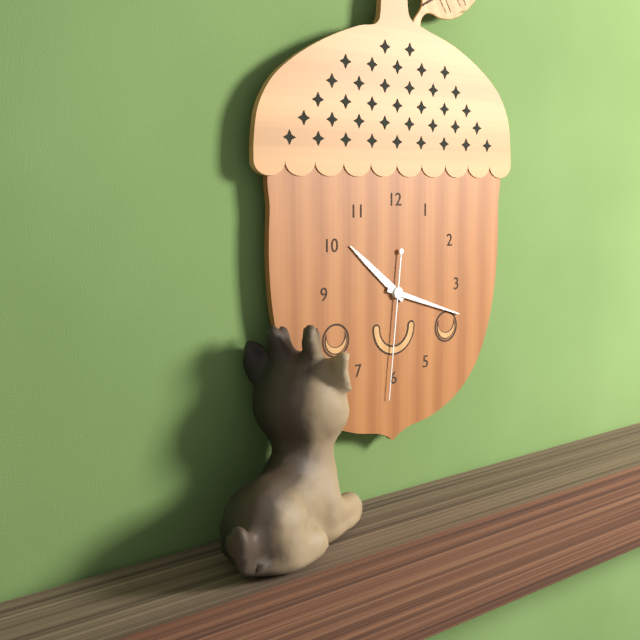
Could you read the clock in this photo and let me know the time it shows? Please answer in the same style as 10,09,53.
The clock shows 10,18,31
